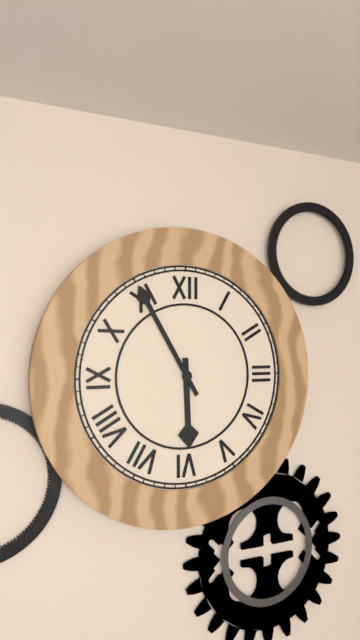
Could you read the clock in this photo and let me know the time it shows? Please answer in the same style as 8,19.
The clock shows 5,55
